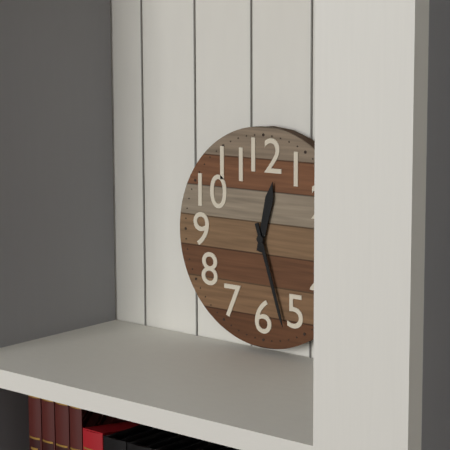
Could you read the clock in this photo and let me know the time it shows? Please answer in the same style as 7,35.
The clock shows 12,27
